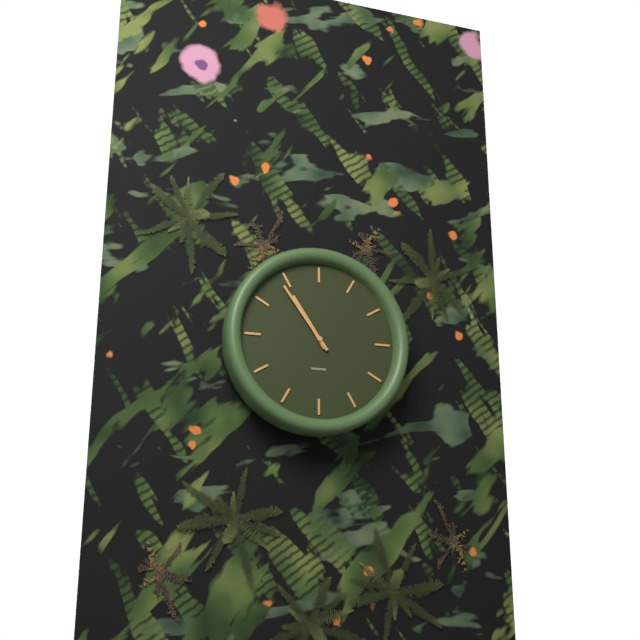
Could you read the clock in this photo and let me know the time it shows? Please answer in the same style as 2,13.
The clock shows 10,54
